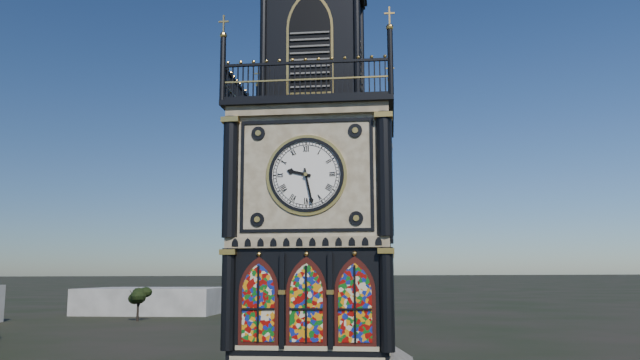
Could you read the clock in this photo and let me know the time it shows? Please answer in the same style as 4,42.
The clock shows 9,28
